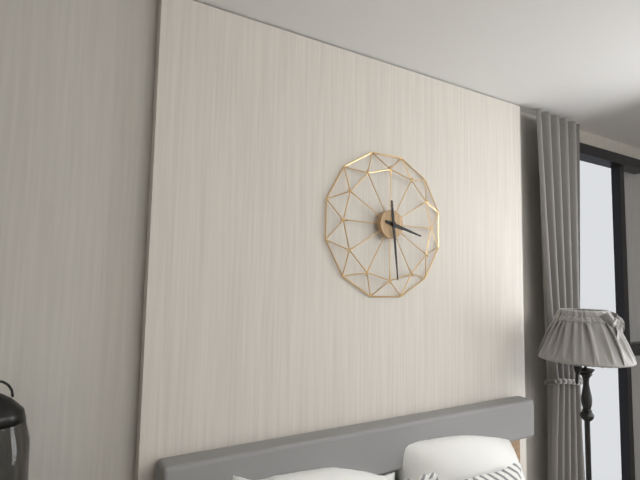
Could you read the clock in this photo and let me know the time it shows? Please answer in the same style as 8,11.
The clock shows 3,29
